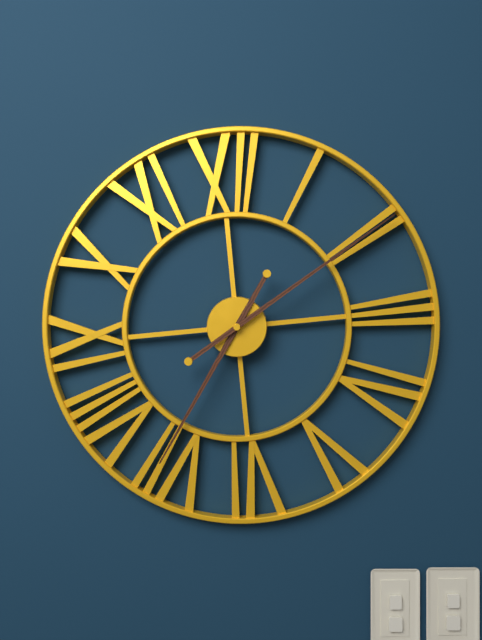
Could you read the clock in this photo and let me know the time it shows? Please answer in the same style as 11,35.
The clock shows 7,10
